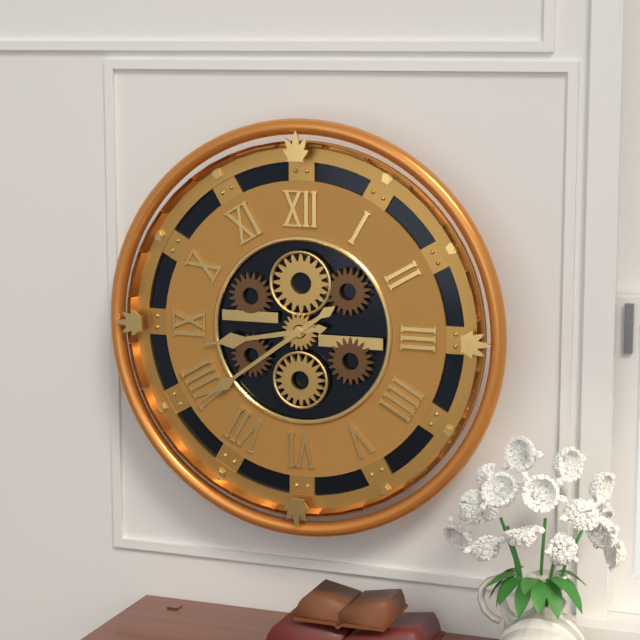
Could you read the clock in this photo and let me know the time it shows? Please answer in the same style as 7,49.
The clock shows 8,39
